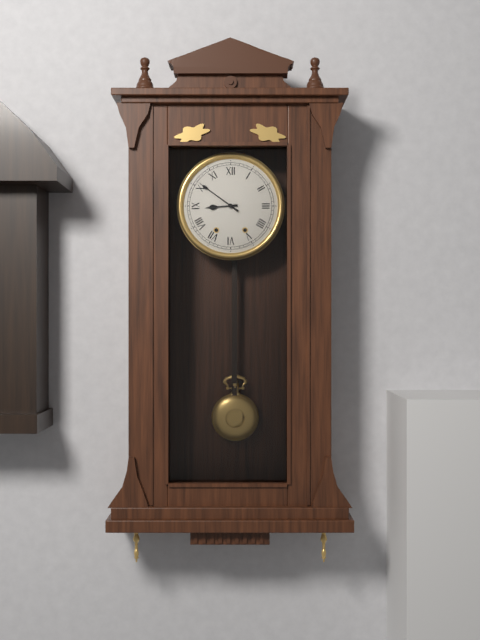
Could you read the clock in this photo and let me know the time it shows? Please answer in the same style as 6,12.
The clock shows 8,51
